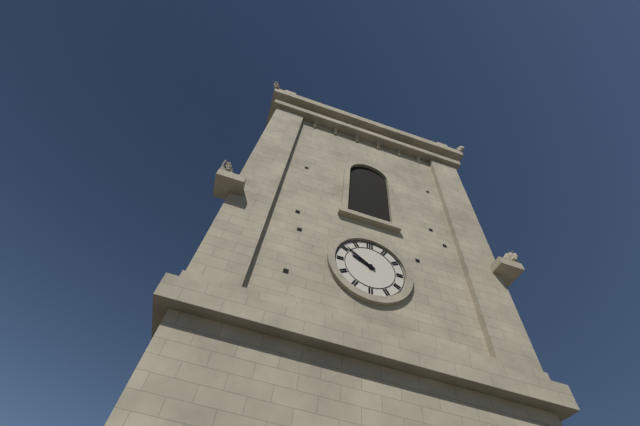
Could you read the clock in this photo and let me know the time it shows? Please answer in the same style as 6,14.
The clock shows 9,51
